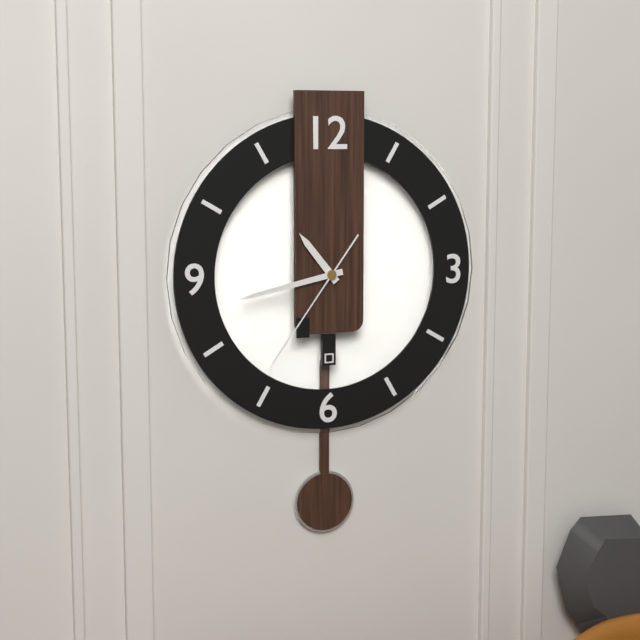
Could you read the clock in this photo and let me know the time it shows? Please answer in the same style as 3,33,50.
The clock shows 10,43,36
